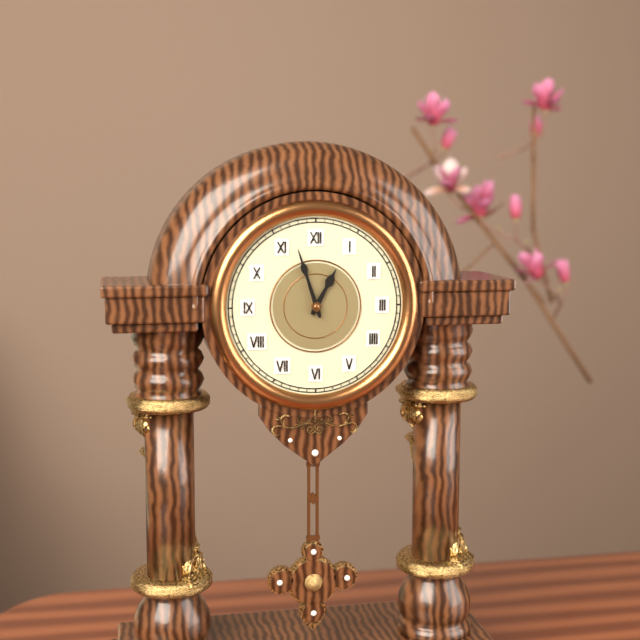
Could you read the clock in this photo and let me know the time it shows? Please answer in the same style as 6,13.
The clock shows 12,57
